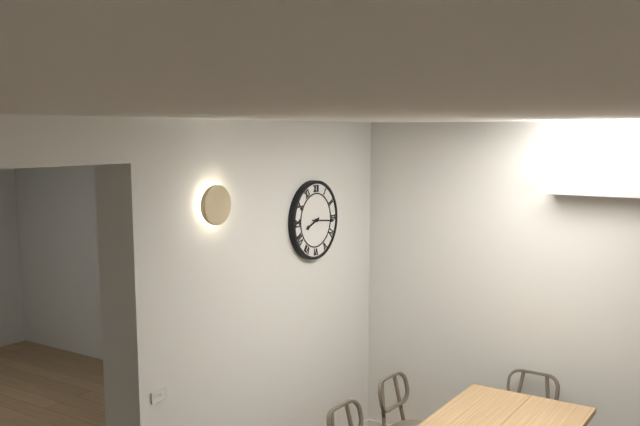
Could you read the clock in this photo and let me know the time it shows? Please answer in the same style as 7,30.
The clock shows 8,16
